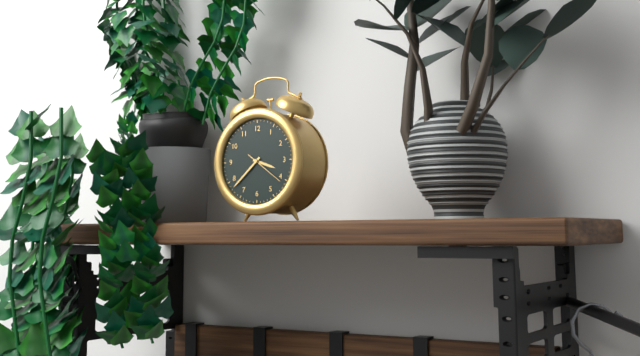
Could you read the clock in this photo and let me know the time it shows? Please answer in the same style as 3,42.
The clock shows 3,38
